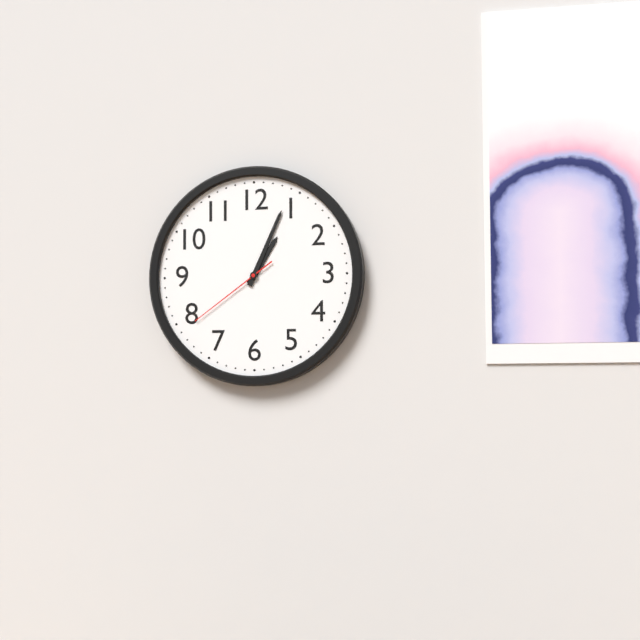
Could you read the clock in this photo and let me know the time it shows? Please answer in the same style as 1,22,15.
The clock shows 1,04,39
